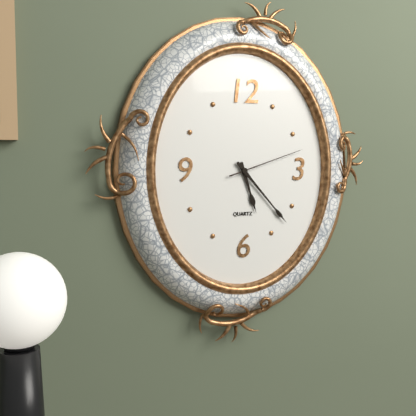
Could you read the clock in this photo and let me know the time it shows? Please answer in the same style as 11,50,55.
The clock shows 5,23,12
